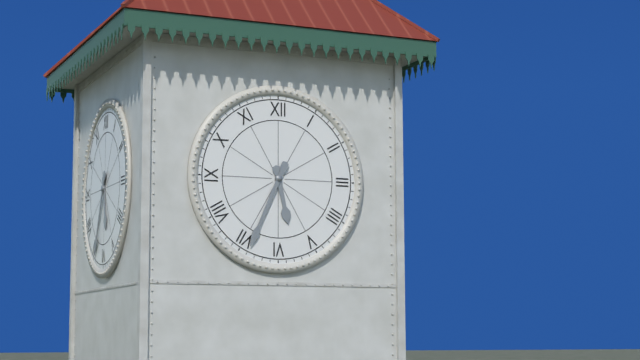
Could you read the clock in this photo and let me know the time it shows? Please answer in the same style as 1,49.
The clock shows 5,34
